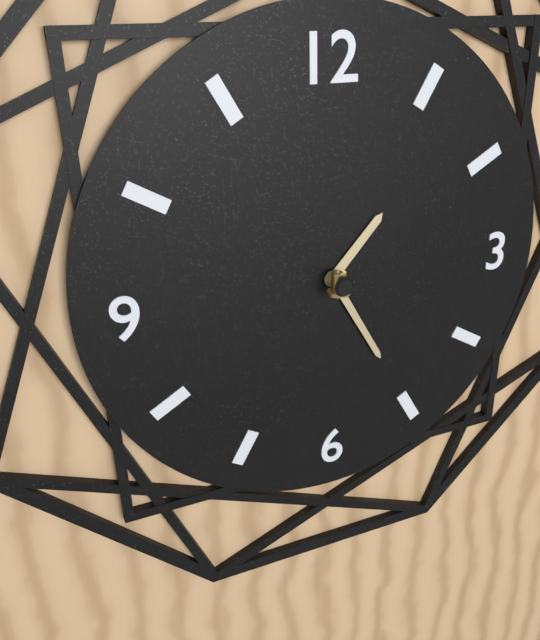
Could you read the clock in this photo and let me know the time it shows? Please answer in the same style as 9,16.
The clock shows 1,25
